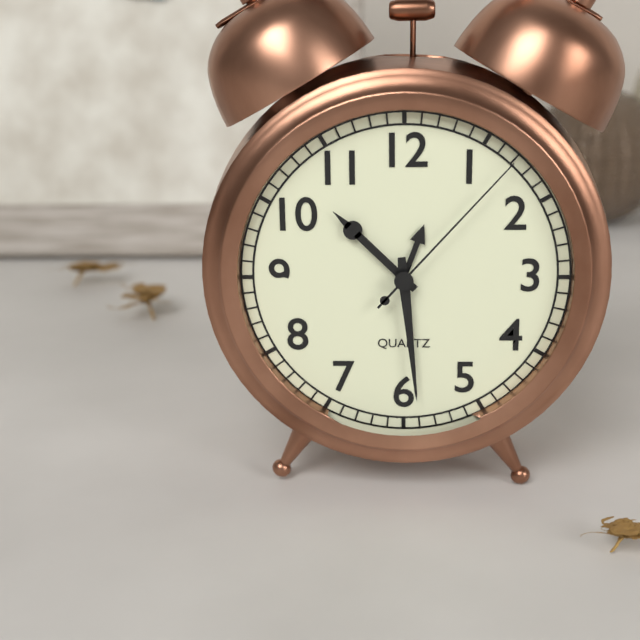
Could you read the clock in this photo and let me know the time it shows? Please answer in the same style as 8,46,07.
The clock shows 10,29,07
